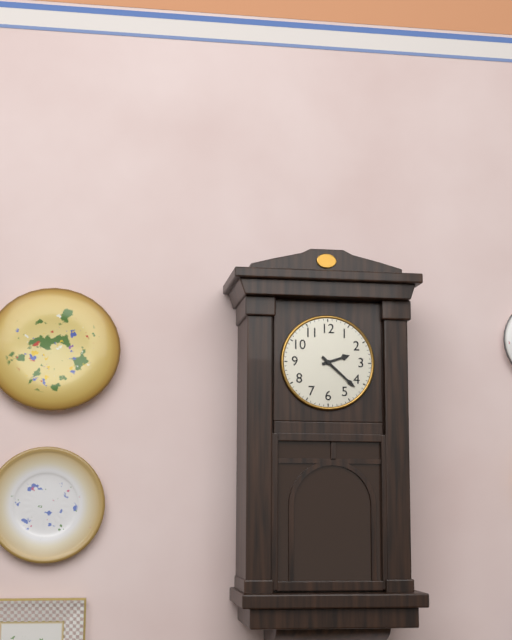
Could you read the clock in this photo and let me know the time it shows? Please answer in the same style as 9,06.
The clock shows 2,22
